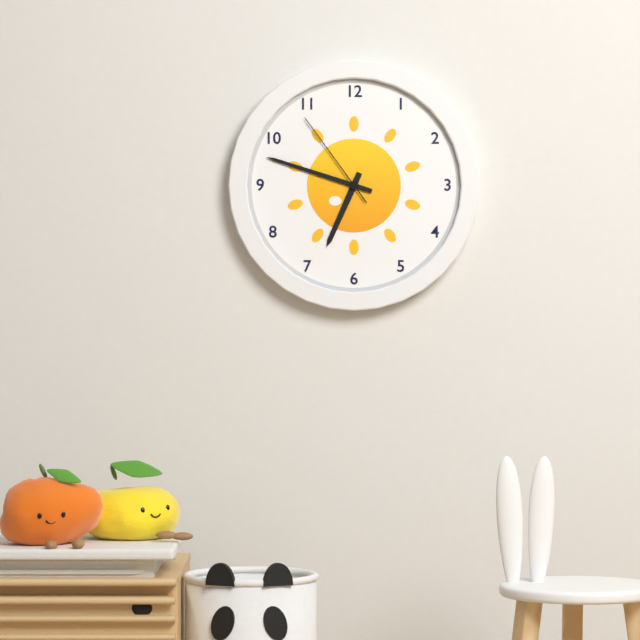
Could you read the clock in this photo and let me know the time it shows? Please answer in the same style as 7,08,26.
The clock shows 6,48,54
